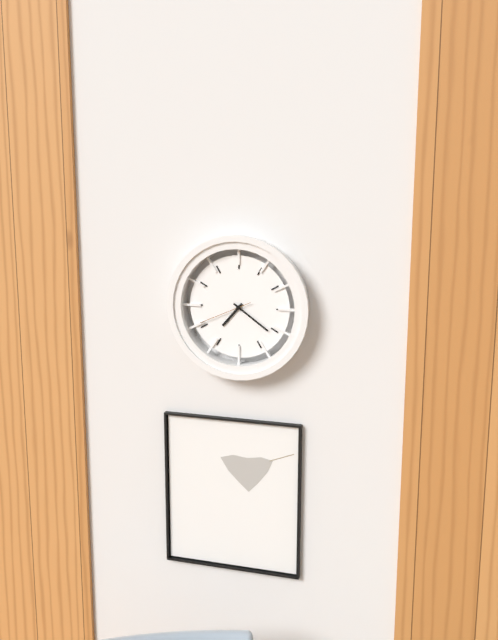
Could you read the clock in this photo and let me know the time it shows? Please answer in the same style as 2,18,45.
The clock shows 7,21,41
